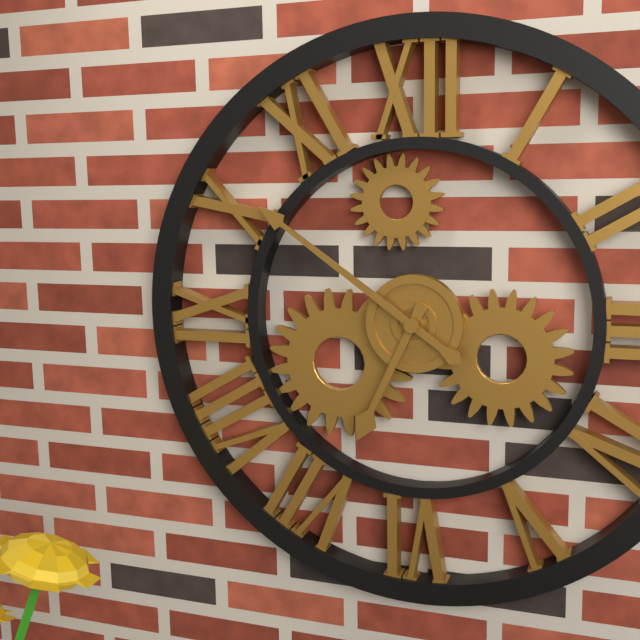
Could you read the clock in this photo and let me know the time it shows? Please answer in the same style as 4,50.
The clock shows 6,51
